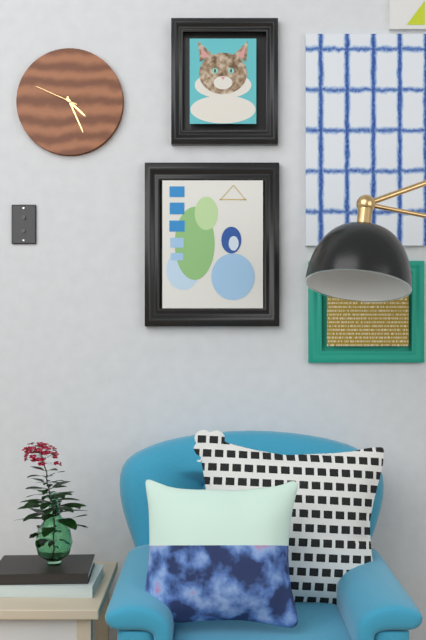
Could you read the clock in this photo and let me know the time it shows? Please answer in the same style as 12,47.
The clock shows 4,26
